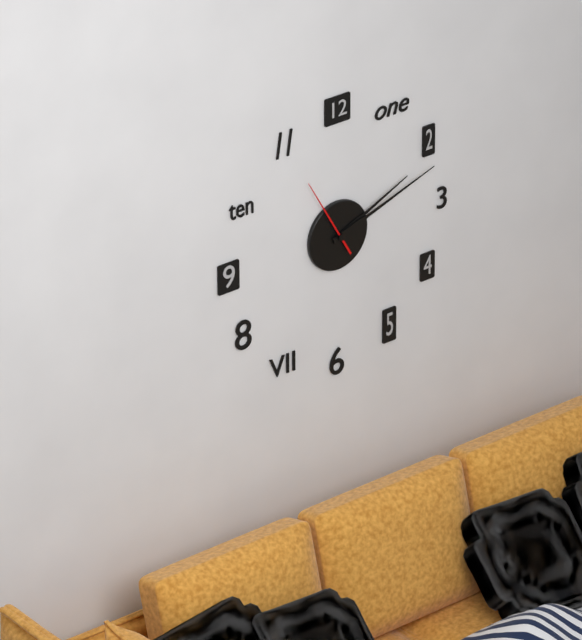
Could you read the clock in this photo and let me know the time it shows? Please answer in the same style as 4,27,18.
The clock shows 2,12,55
